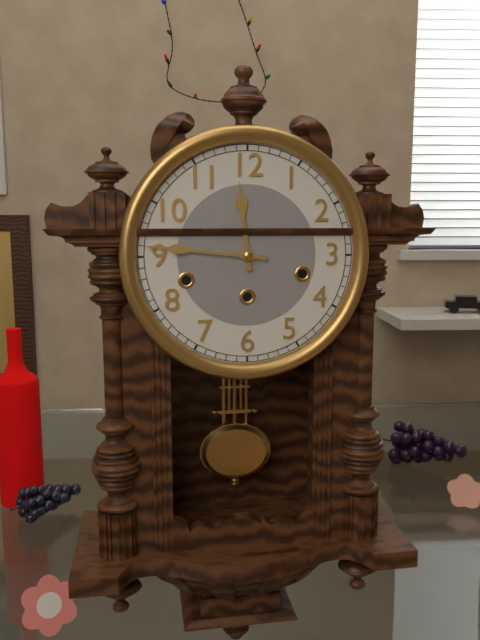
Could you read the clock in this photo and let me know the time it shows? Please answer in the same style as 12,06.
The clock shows 11,46
